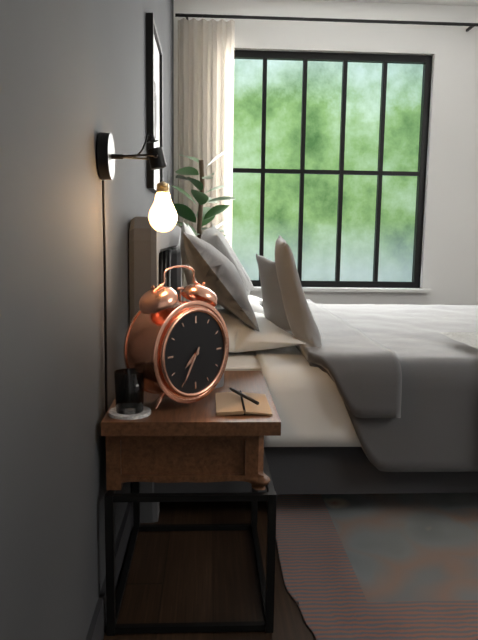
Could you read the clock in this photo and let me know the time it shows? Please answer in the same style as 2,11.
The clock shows 7,35
